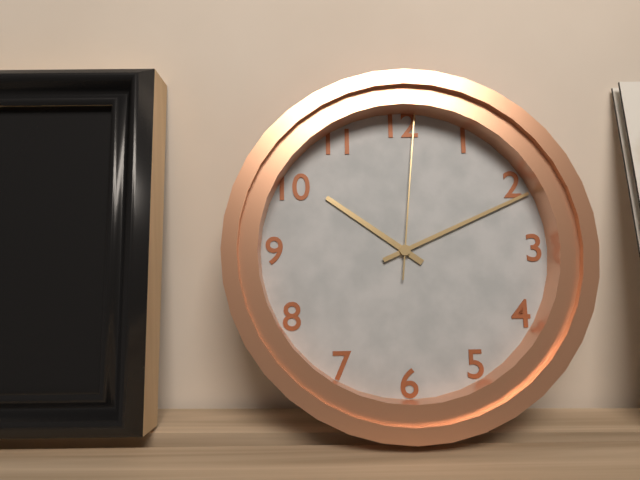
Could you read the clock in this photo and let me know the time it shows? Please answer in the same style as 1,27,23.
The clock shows 10,11,01
